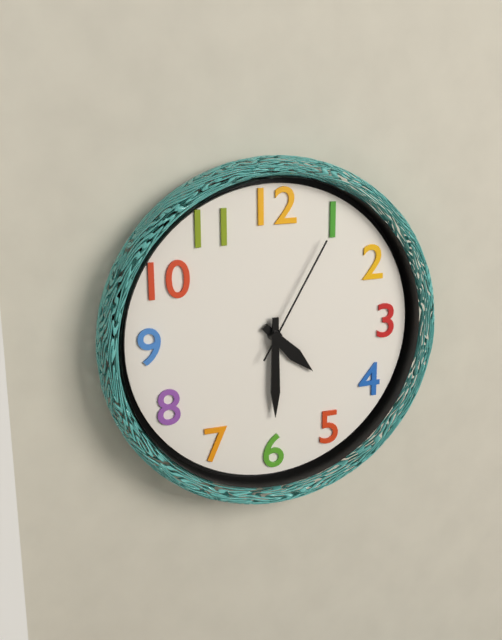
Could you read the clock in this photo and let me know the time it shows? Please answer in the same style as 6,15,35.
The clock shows 4,30,05
